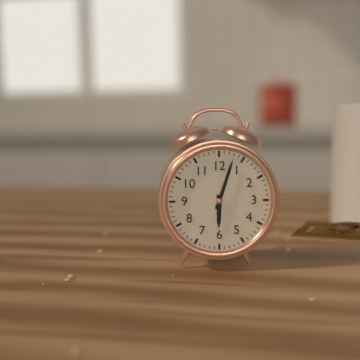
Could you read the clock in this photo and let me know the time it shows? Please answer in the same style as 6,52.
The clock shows 6,03
